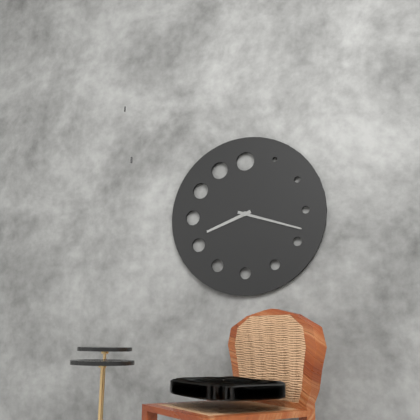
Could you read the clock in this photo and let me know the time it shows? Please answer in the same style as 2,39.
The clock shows 8,18
